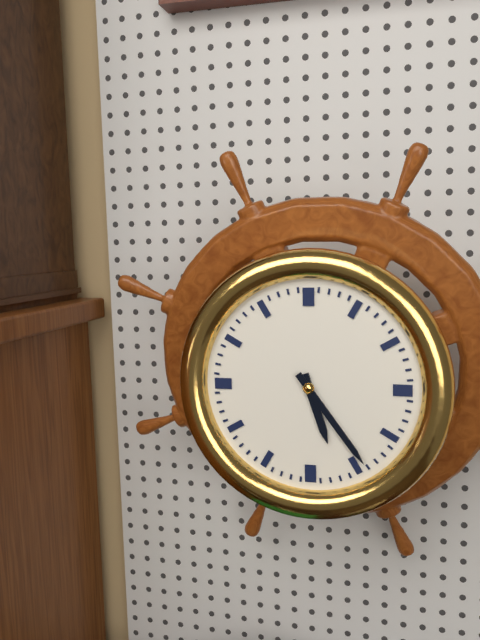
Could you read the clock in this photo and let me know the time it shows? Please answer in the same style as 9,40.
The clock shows 5,24
